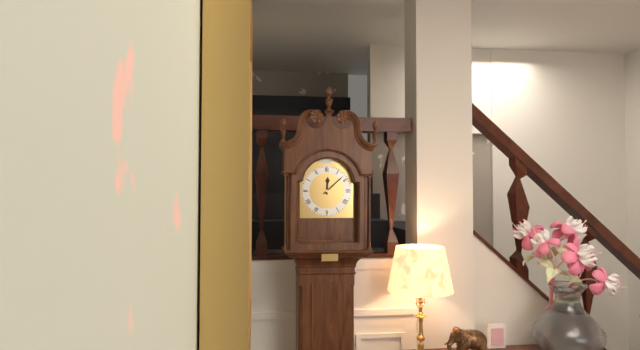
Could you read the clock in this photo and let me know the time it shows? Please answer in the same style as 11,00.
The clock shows 12,08
